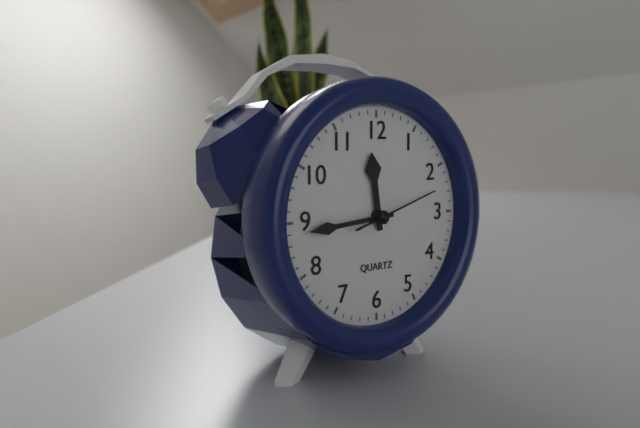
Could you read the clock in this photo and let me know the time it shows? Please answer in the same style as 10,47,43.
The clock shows 11,44,12
